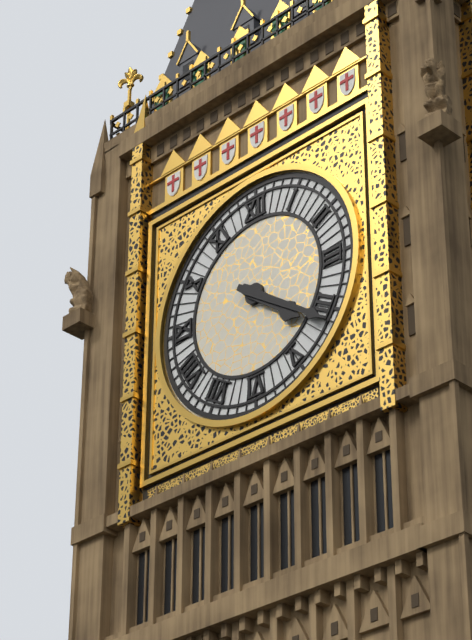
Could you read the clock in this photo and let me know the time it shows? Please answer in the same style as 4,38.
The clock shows 4,21
